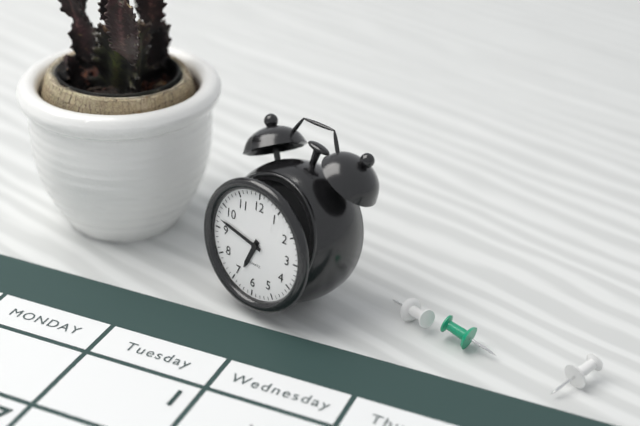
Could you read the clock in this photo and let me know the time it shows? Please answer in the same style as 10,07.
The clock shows 6,47
